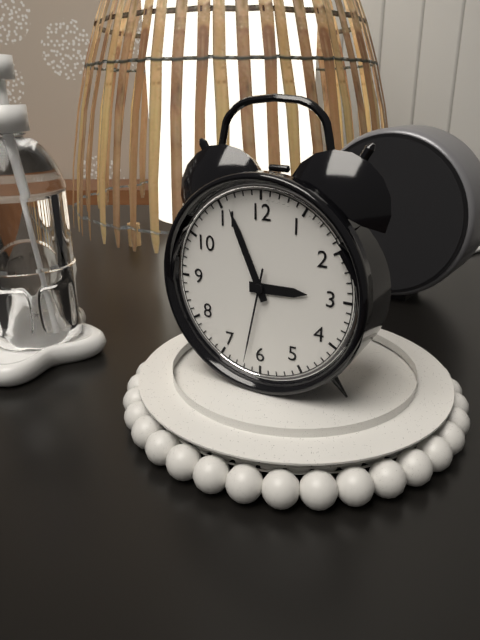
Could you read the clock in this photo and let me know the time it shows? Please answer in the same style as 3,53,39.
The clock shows 2,56,32
